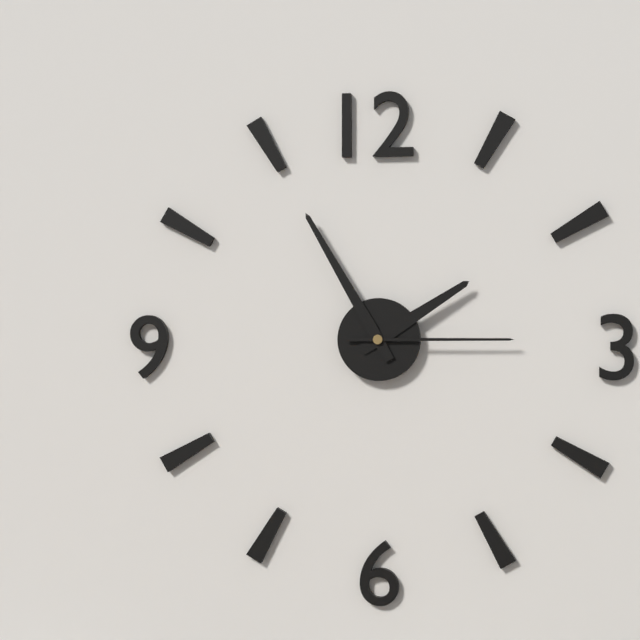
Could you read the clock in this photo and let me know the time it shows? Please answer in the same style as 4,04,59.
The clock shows 1,55,15
